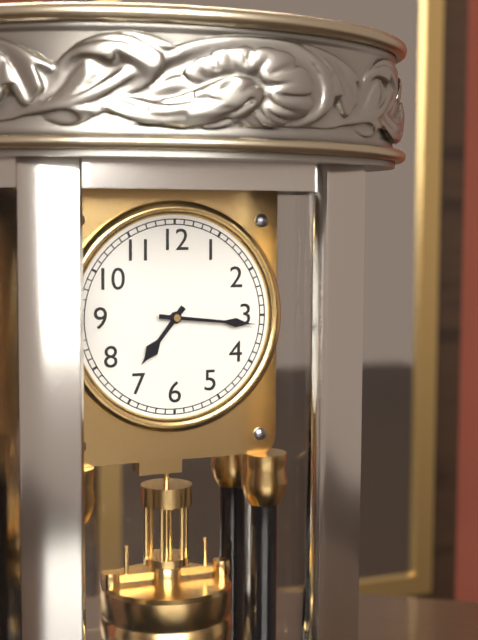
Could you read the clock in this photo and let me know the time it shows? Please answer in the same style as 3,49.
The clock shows 7,16
